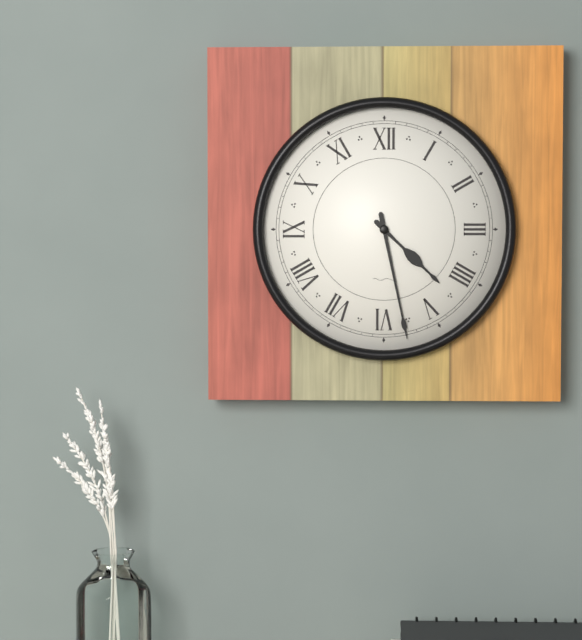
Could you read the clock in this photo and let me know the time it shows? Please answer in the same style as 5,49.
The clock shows 4,28
